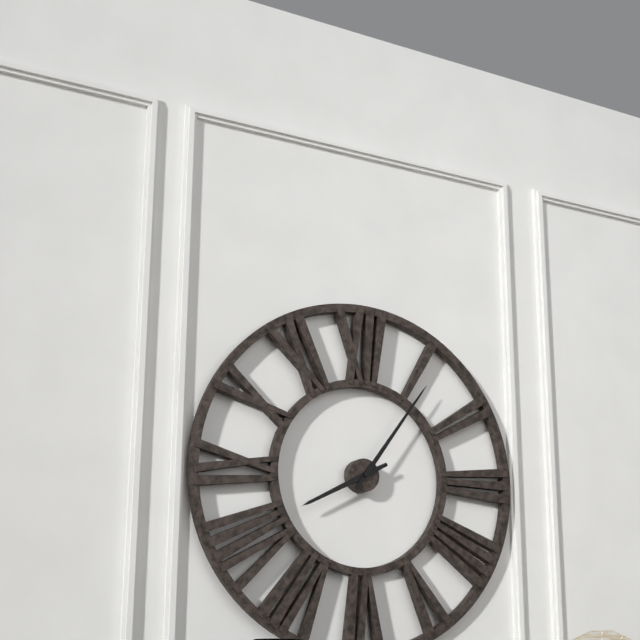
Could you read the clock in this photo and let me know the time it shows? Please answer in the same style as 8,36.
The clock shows 8,06
